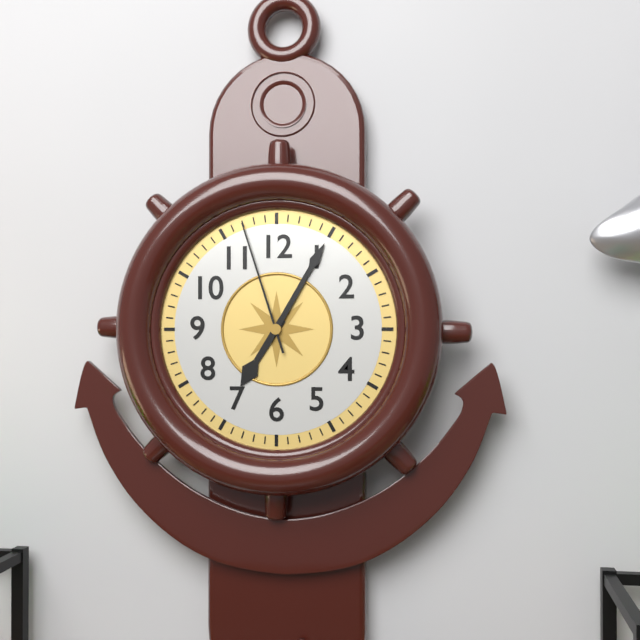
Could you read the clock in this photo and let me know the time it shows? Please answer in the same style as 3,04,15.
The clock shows 7,05,57
